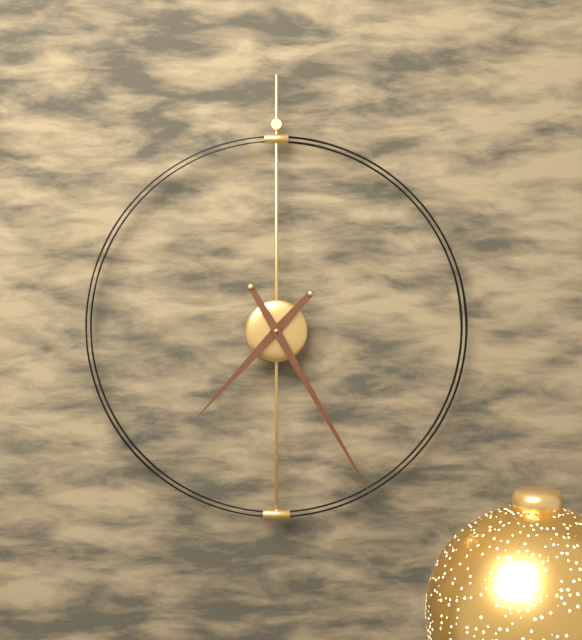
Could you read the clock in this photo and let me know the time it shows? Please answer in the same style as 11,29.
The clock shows 7,25
